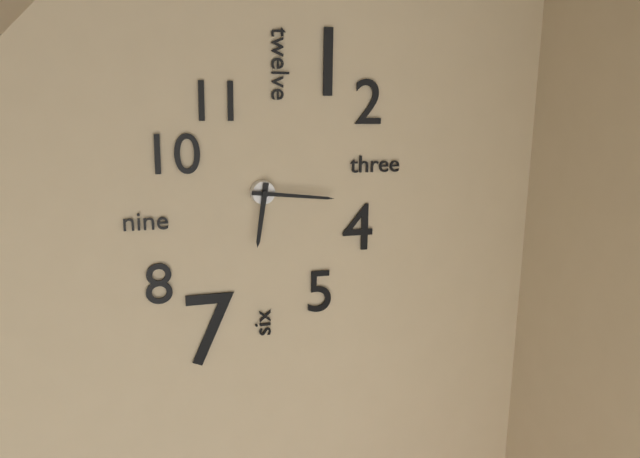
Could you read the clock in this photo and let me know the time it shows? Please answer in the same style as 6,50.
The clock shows 6,16
